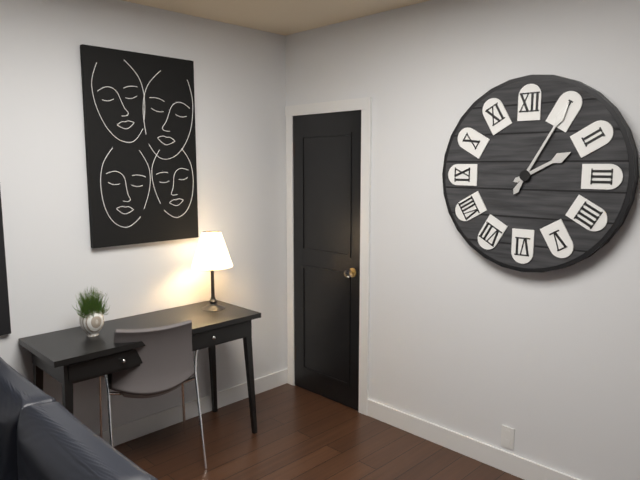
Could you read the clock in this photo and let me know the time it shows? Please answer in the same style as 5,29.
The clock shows 2,05
